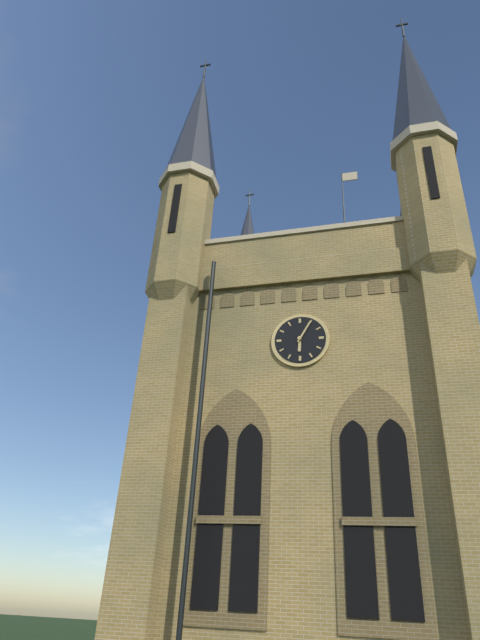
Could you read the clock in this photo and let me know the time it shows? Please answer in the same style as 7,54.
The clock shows 6,05
